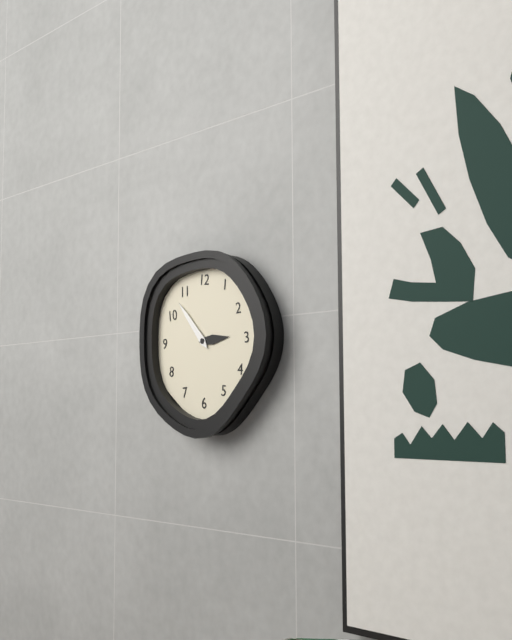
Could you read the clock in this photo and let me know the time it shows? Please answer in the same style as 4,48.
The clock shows 2,53
